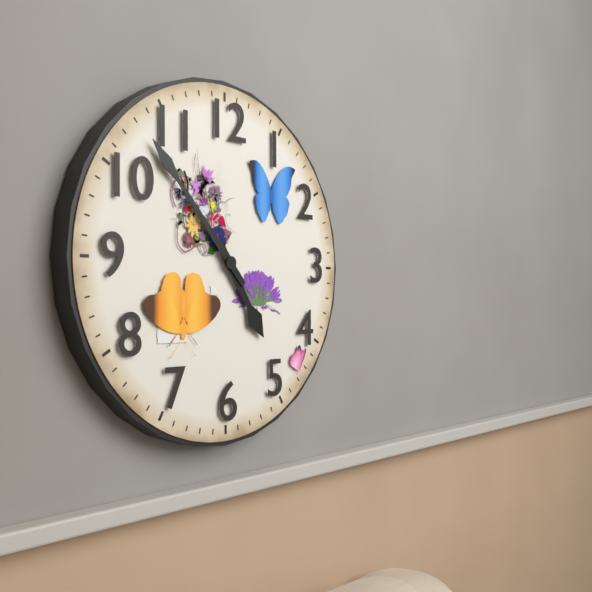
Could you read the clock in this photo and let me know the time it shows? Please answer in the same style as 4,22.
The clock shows 4,53
